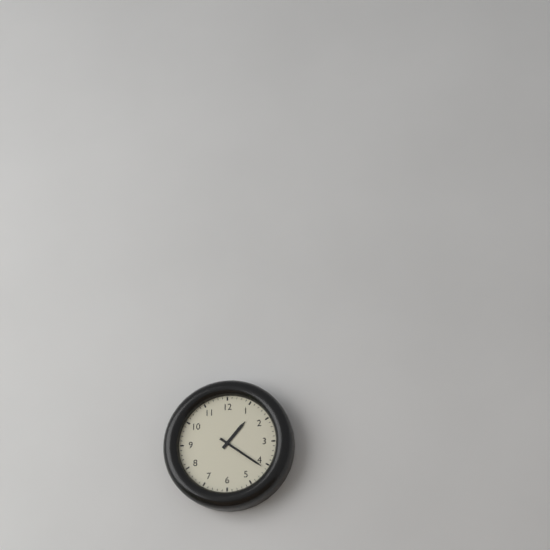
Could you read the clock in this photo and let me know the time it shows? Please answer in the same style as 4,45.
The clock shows 1,21
